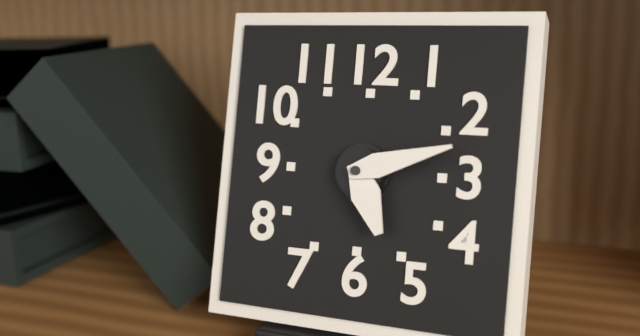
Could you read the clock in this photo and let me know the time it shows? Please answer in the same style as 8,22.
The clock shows 5,12
